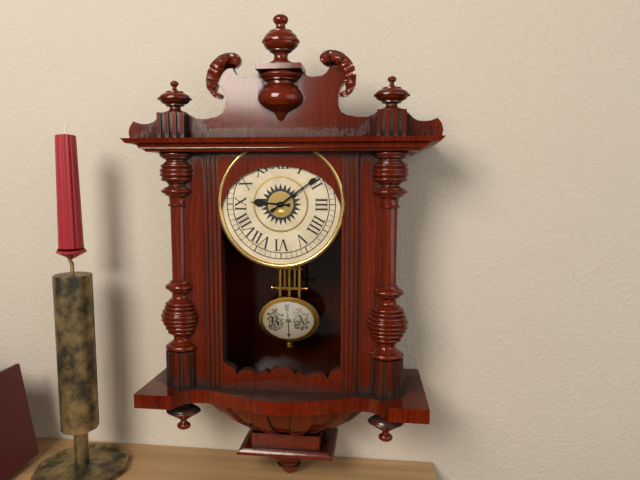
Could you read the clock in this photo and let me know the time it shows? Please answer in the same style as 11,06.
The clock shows 9,09
